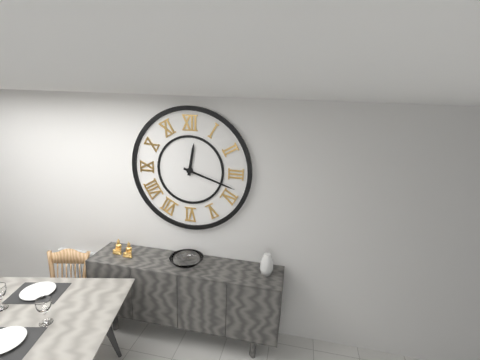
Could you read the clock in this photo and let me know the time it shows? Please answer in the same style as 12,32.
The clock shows 12,18
